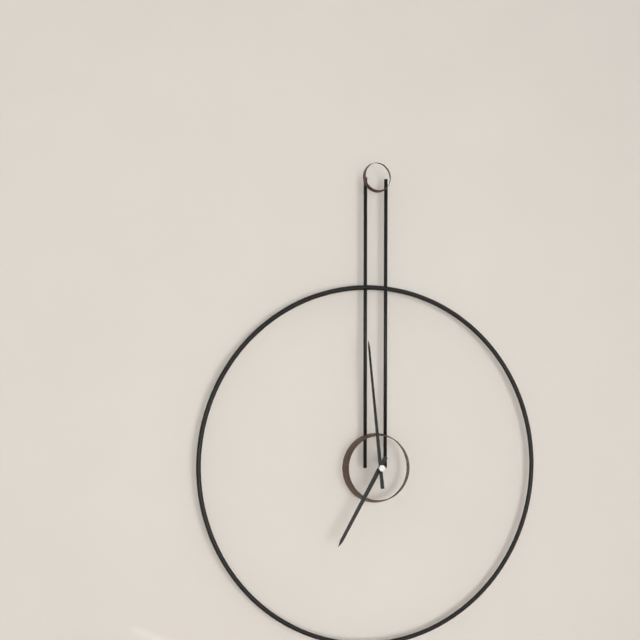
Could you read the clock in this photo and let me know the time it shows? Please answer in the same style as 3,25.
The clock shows 6,59
